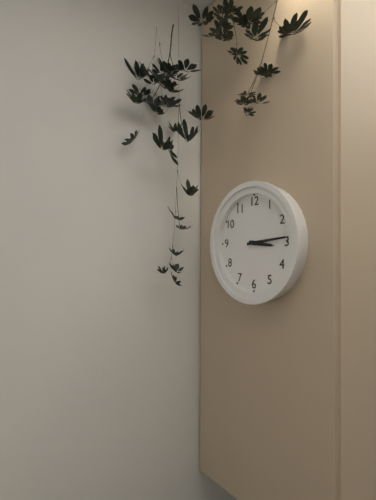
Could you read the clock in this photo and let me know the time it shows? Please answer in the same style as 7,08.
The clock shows 3,14
